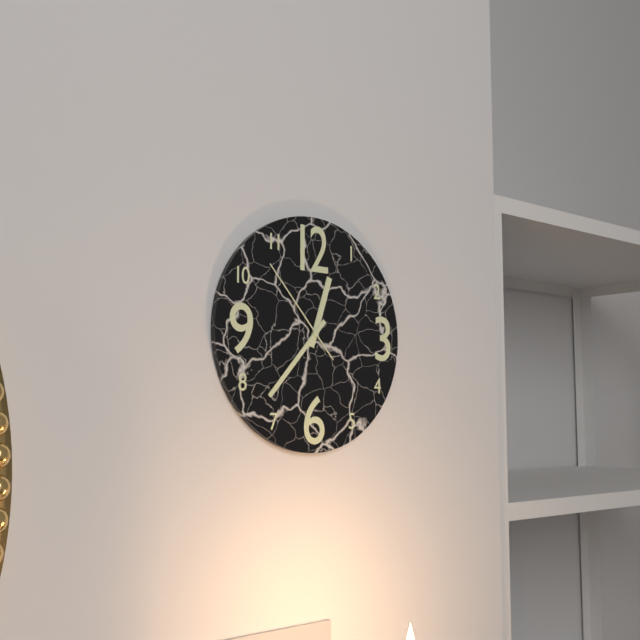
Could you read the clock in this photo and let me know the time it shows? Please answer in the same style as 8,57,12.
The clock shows 12,37,53
